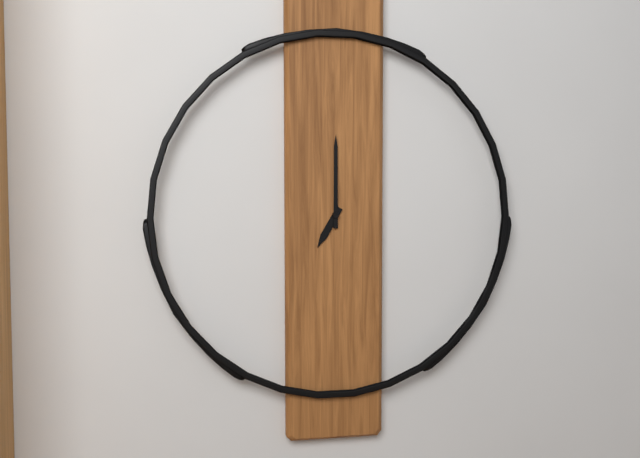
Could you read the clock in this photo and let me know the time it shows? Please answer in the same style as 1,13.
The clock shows 7,00
